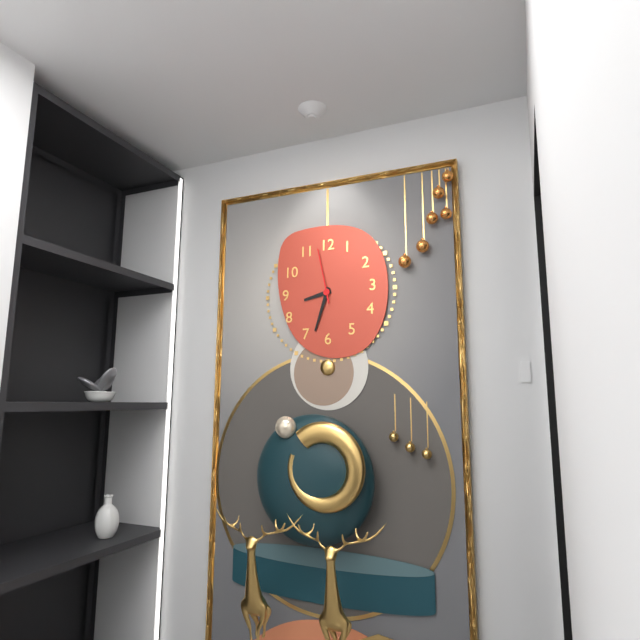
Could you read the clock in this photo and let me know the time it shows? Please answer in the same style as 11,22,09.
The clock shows 8,33,58
